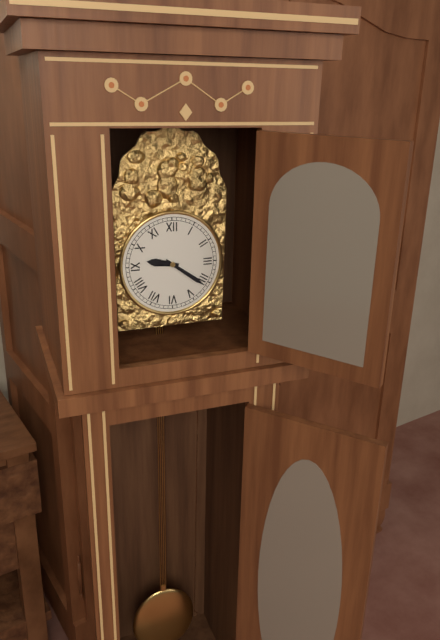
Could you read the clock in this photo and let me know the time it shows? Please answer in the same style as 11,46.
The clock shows 9,21
